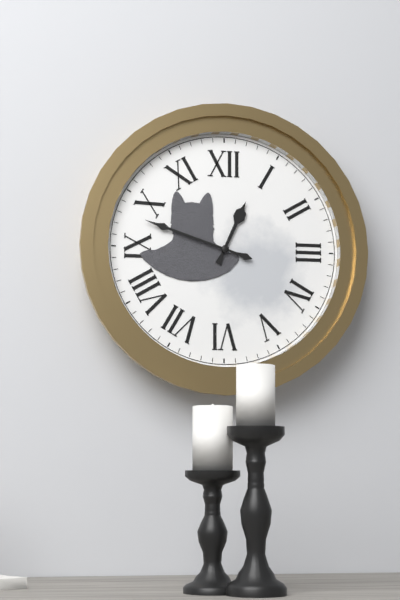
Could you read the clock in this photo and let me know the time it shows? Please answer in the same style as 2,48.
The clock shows 12,48
